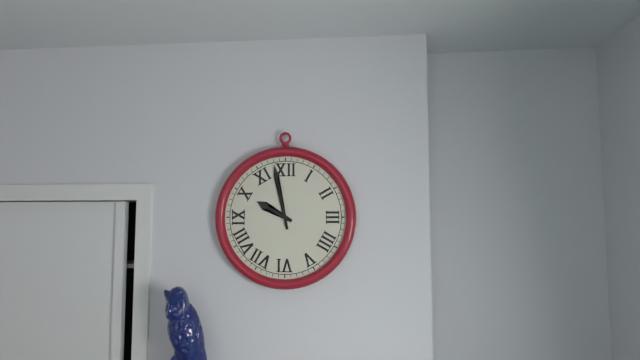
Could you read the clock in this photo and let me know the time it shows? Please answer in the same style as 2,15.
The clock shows 9,58
